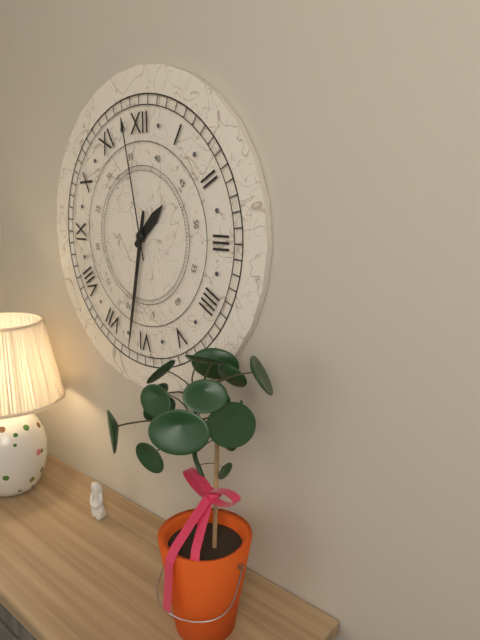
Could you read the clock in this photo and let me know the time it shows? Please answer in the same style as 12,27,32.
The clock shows 1,32,58
